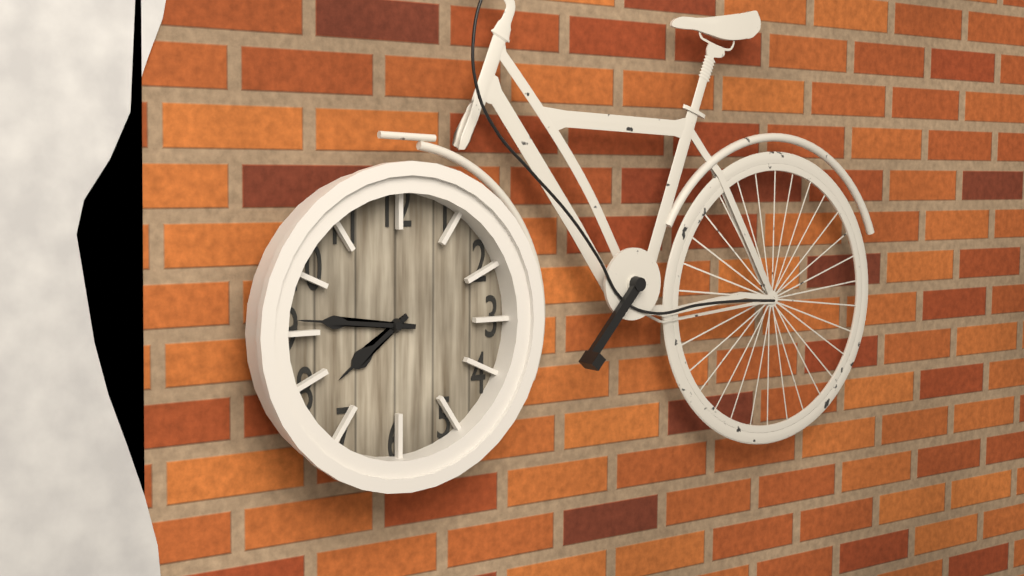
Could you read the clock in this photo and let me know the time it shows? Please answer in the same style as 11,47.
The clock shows 7,46
